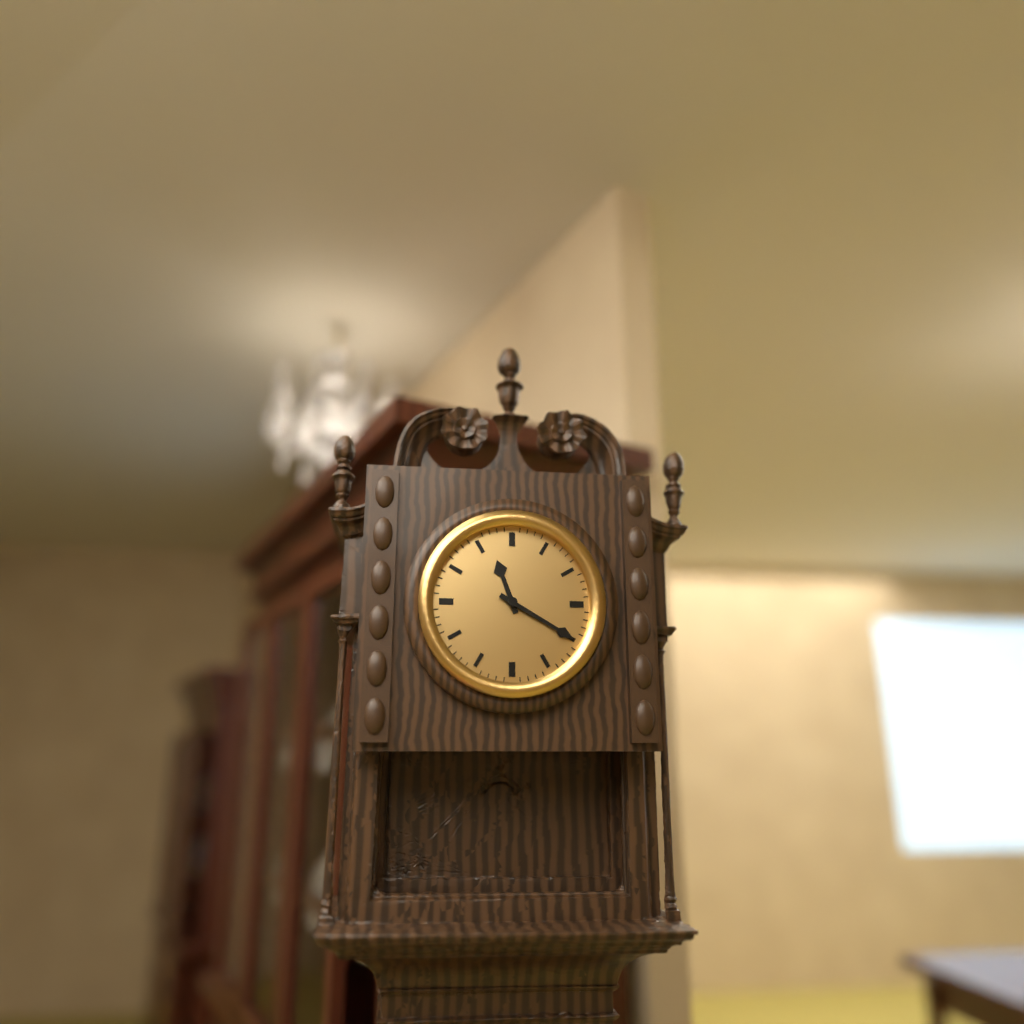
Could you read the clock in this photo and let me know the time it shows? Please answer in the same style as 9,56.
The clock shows 11,20
